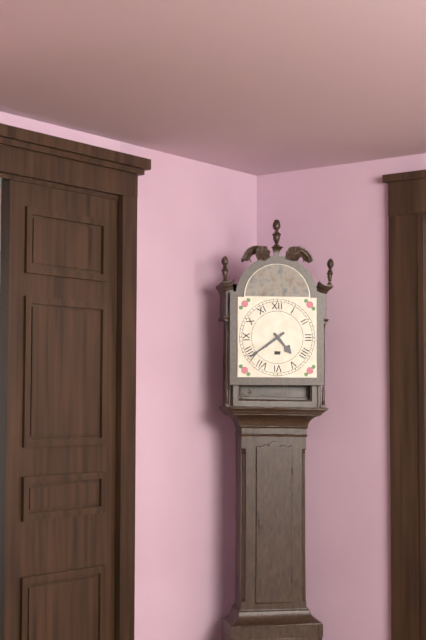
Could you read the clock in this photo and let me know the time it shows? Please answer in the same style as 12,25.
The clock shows 4,39
